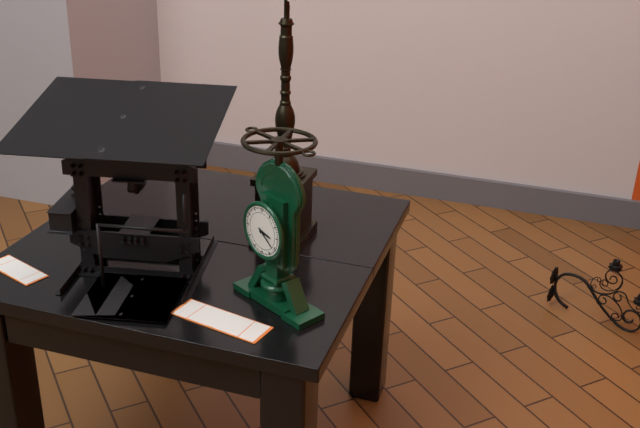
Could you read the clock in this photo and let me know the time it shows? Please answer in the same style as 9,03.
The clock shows 3,21
